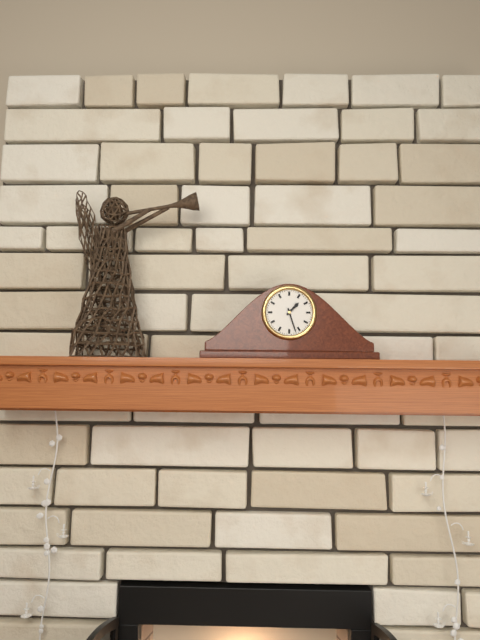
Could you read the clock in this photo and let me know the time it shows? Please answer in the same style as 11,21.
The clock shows 1,27
